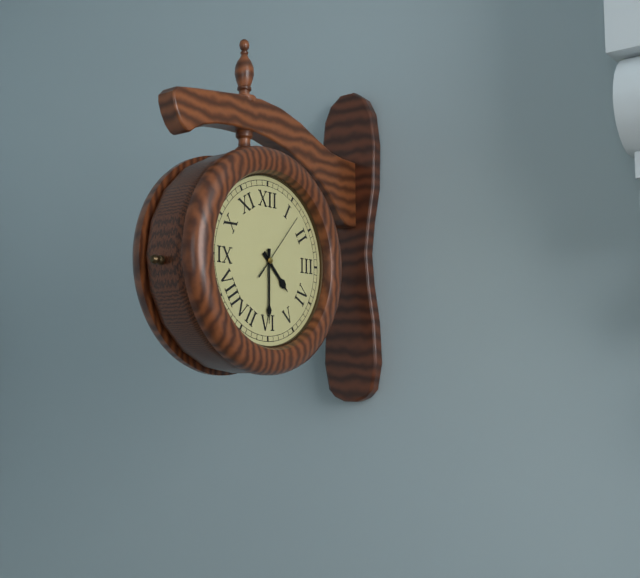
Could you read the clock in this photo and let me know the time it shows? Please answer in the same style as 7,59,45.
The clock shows 4,30,07
